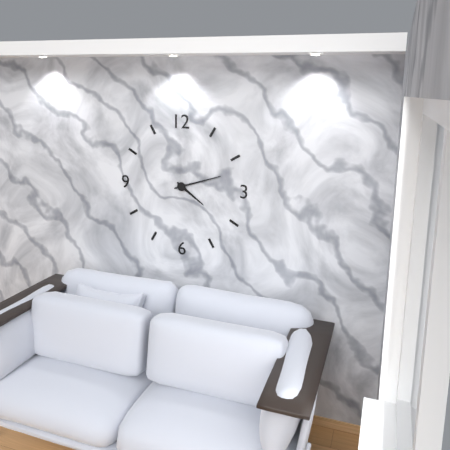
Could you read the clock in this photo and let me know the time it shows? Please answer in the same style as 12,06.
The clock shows 4,12
